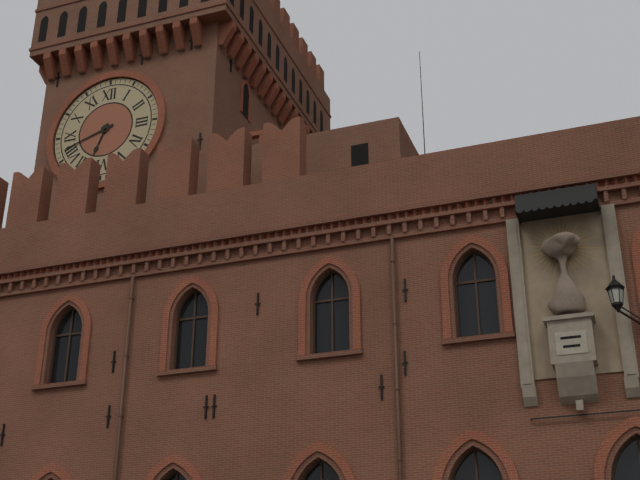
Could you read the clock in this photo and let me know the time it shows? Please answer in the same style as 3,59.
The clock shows 6,42
